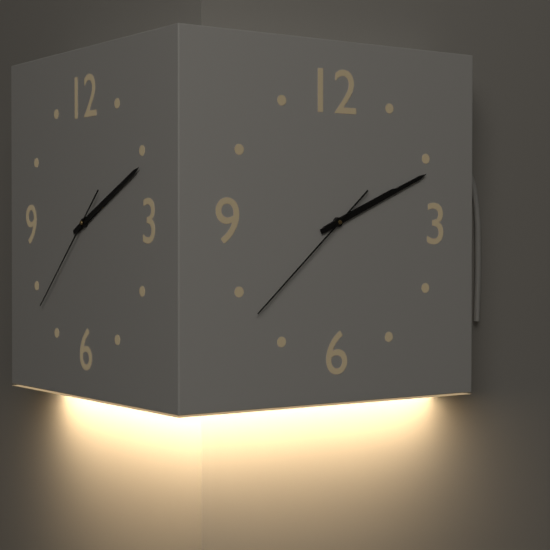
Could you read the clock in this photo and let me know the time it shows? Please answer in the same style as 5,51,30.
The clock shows 2,11,38
